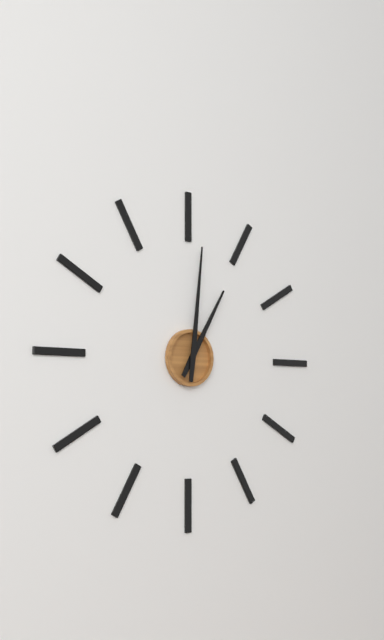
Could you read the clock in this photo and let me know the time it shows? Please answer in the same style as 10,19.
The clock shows 1,01
